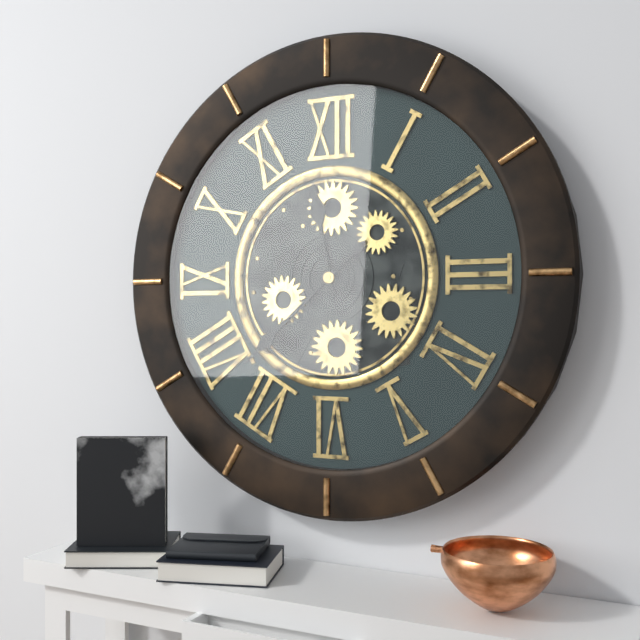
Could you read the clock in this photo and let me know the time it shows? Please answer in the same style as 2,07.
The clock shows 11,38
